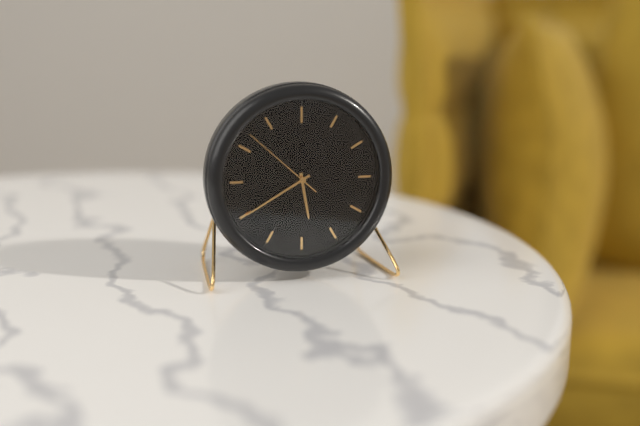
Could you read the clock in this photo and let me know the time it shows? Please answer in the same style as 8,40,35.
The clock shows 5,40,52
